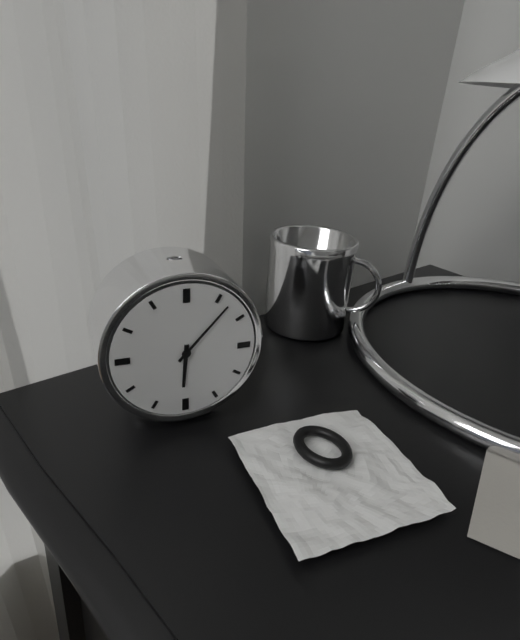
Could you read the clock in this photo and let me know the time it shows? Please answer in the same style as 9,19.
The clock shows 6,07
